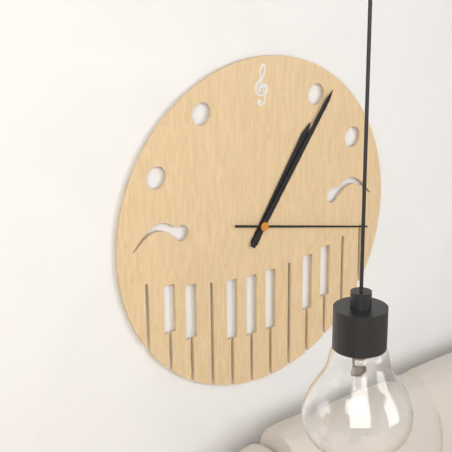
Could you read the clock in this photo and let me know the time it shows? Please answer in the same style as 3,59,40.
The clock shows 1,06,17
